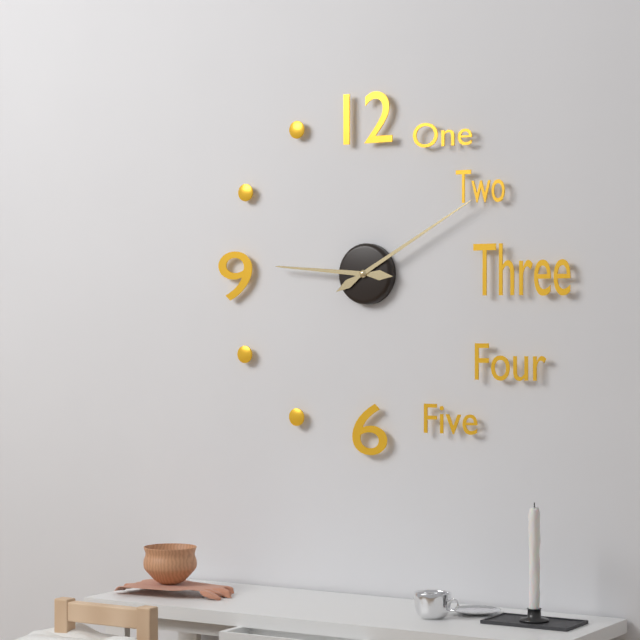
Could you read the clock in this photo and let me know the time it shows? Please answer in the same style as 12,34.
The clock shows 9,10
